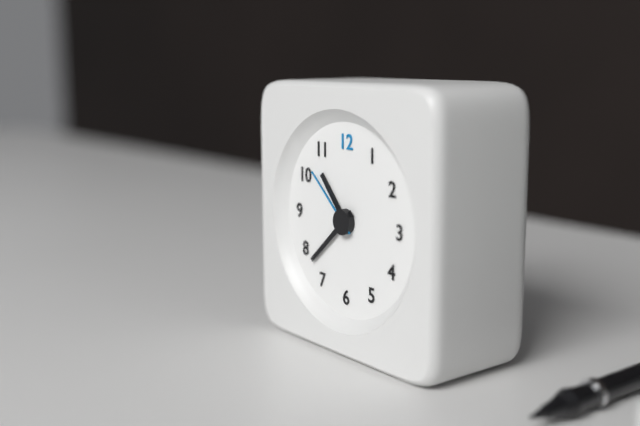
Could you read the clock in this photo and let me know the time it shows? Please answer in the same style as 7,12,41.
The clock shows 10,38,52
